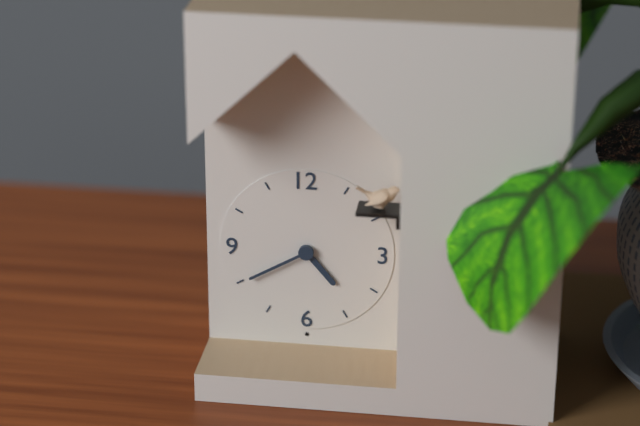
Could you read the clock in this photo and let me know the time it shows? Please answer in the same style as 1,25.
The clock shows 4,40
